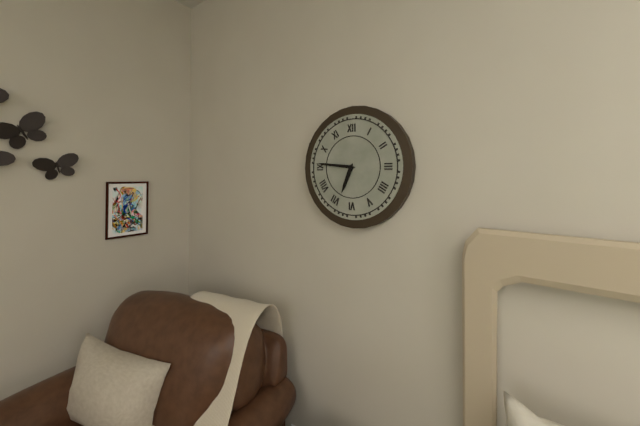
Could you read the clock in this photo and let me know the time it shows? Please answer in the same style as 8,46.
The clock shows 6,46
